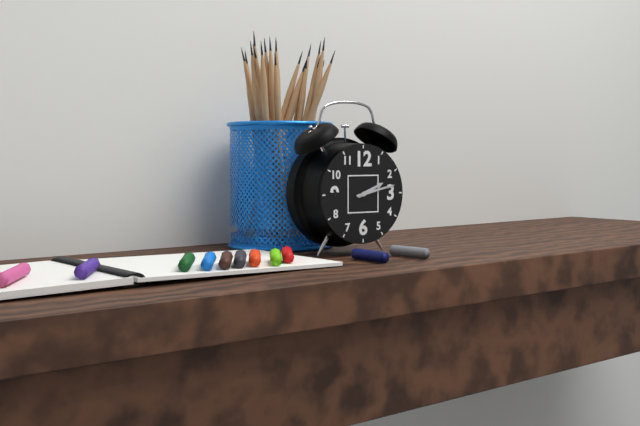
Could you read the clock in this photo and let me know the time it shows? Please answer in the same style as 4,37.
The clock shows 2,13
